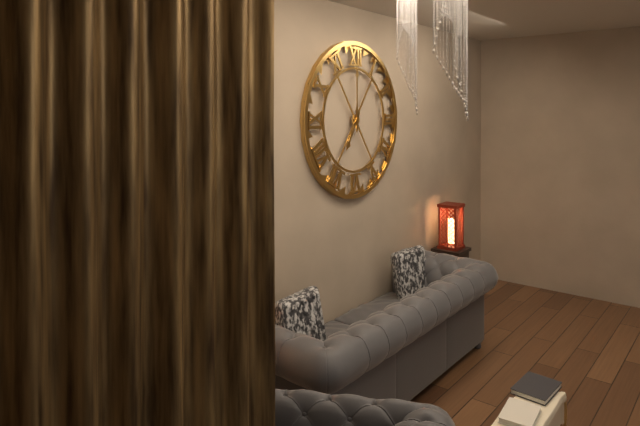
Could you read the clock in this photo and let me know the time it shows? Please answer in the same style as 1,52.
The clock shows 7,00
